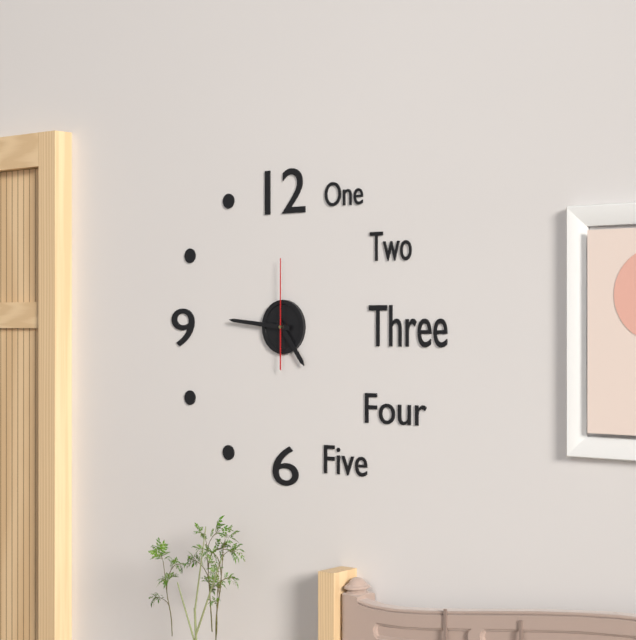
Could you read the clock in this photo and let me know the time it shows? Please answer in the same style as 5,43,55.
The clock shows 4,46,00
